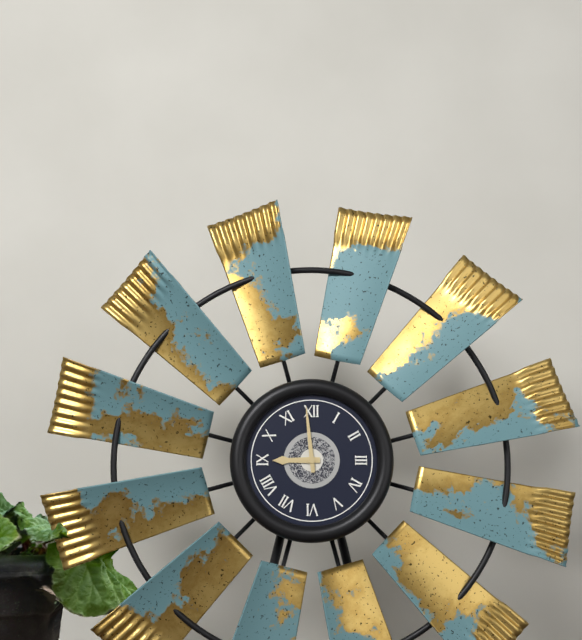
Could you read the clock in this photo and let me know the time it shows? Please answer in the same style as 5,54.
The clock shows 8,59
